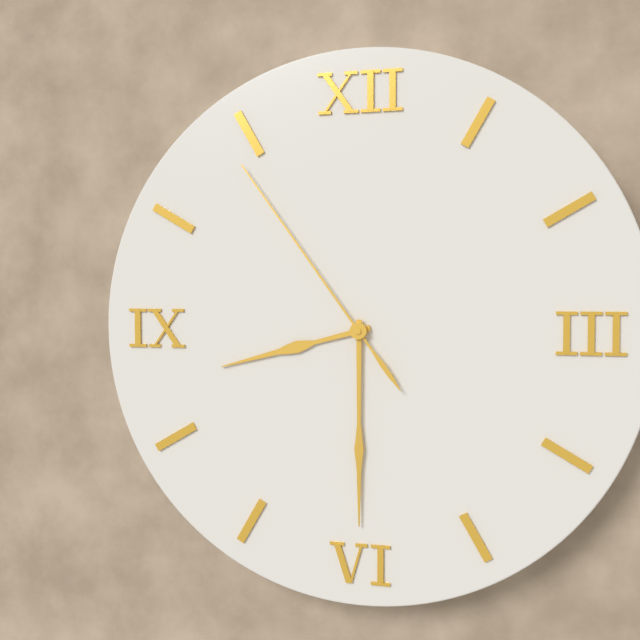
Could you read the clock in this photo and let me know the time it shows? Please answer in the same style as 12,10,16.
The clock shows 8,30,54
